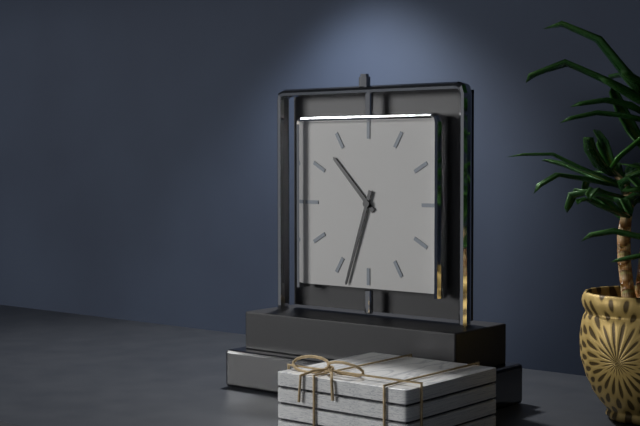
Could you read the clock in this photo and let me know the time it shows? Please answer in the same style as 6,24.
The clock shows 10,33
